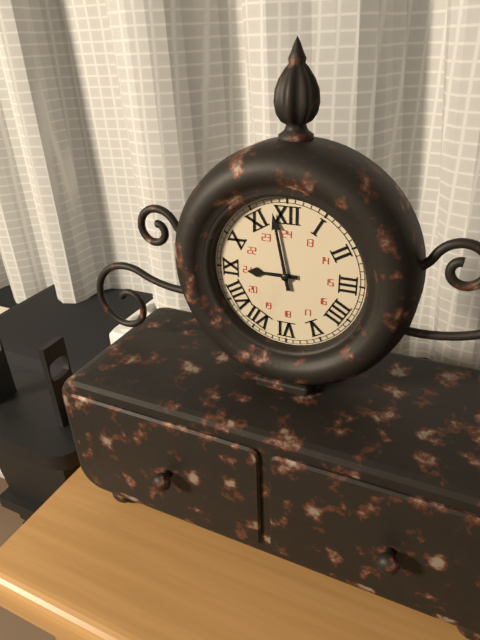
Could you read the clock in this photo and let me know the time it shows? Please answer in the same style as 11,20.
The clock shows 8,58
